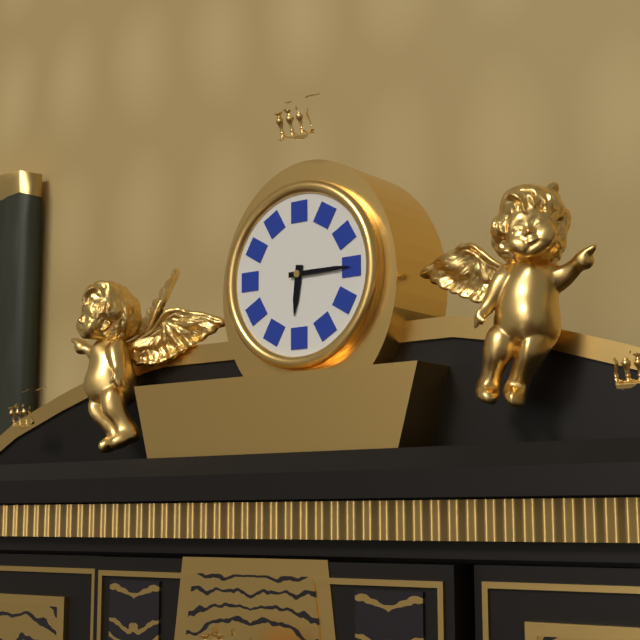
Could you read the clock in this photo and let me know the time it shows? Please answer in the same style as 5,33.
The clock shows 6,15
